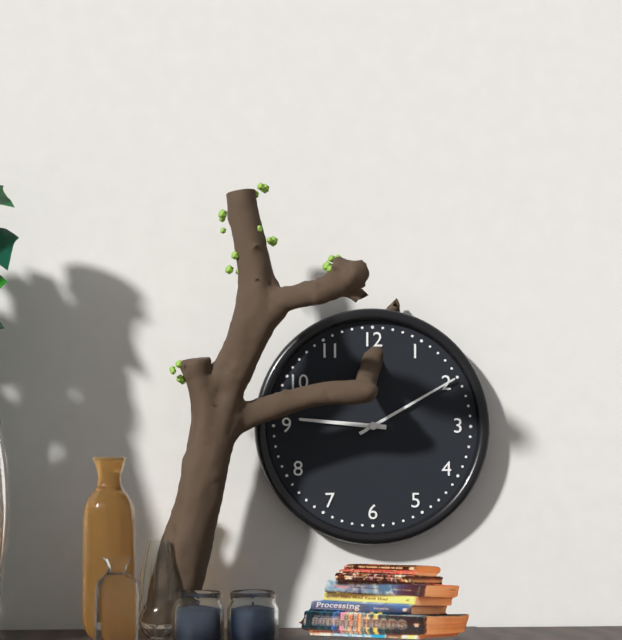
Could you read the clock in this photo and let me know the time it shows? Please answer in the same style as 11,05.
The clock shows 9,10
